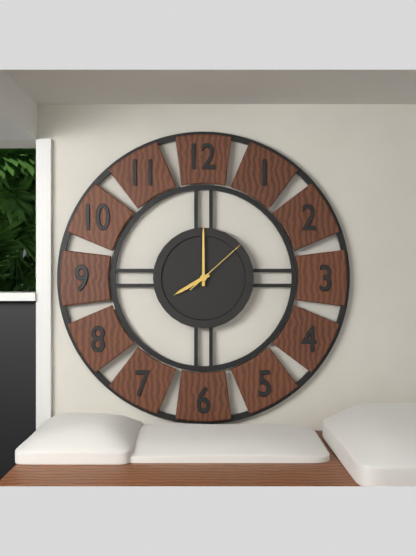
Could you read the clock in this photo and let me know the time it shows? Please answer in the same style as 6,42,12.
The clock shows 8,00,08
